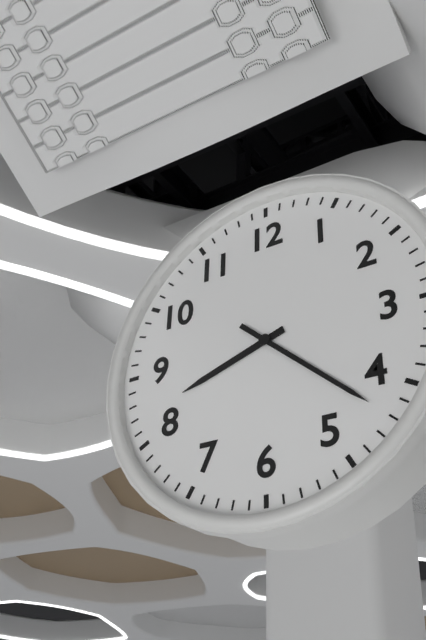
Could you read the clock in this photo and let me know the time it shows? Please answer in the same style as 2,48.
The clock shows 8,22
